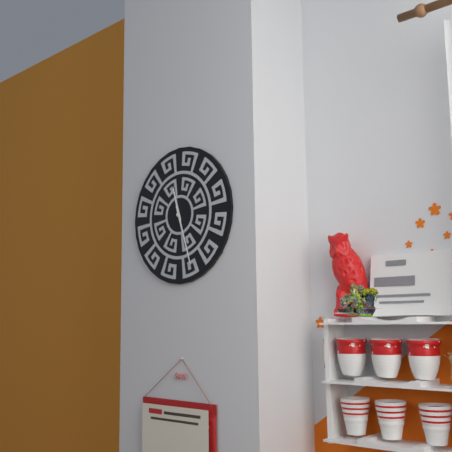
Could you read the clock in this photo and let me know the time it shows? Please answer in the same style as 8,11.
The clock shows 11,27
